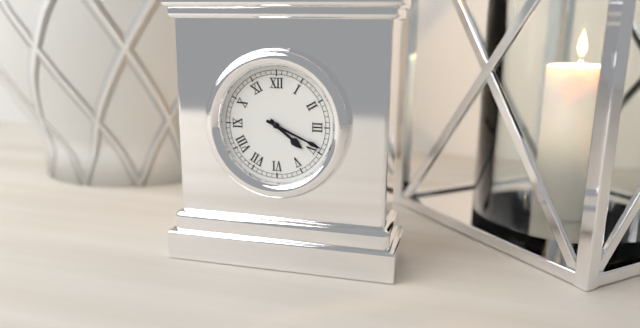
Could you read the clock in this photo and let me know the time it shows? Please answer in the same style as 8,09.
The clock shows 4,19
